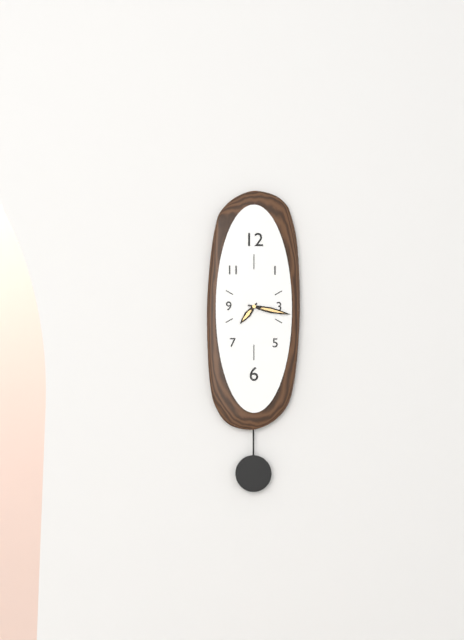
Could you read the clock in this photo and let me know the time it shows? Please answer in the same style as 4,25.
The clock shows 7,17
